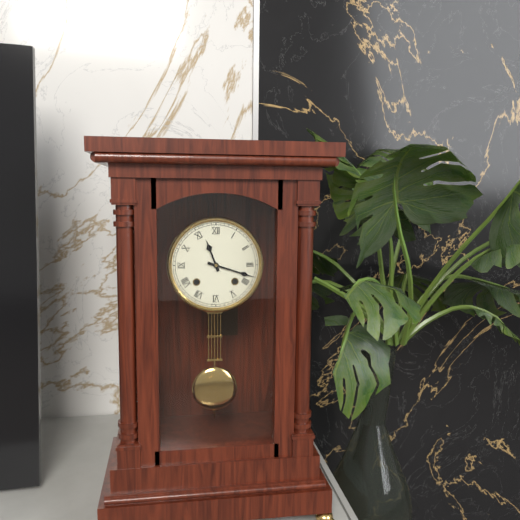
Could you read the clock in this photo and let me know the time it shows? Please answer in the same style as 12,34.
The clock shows 11,18
